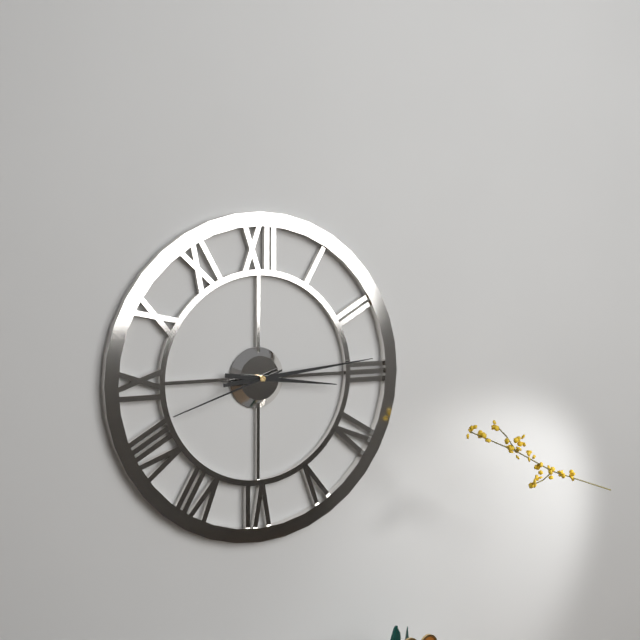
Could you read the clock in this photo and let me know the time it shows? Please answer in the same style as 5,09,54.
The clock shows 3,14,42
